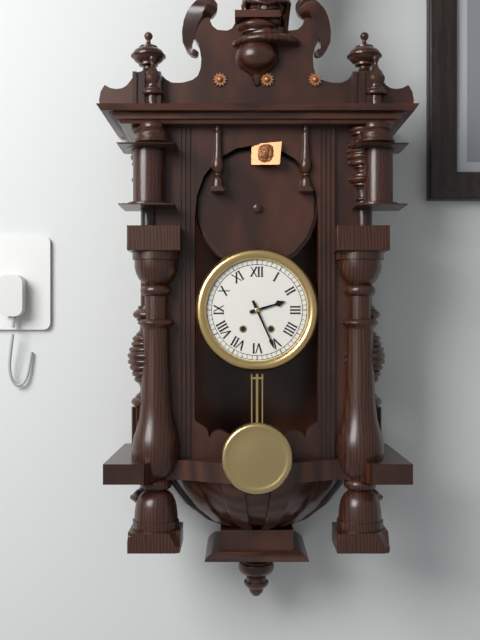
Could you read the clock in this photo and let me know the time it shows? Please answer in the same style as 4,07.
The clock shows 2,26
